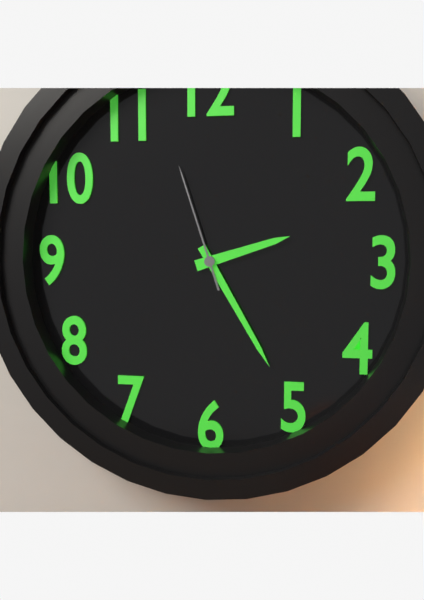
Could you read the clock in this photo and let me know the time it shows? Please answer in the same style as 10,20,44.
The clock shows 2,25,57
